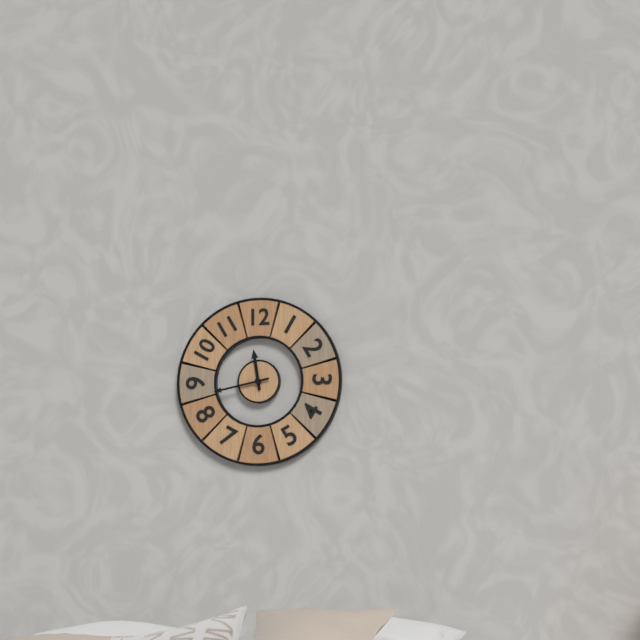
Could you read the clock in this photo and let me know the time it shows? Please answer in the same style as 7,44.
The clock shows 11,43
